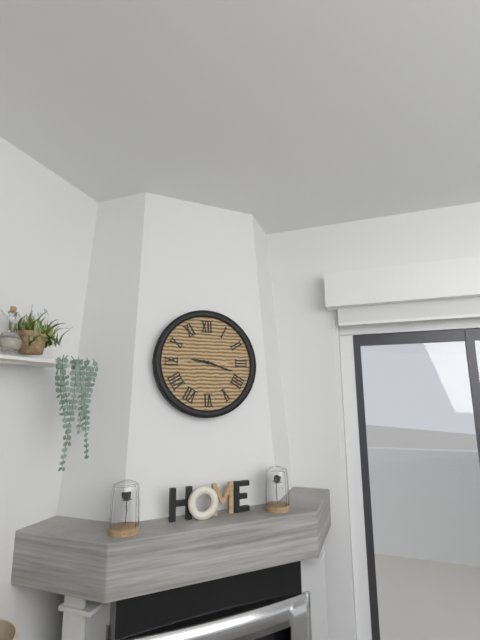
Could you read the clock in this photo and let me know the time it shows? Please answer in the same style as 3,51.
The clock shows 9,18
